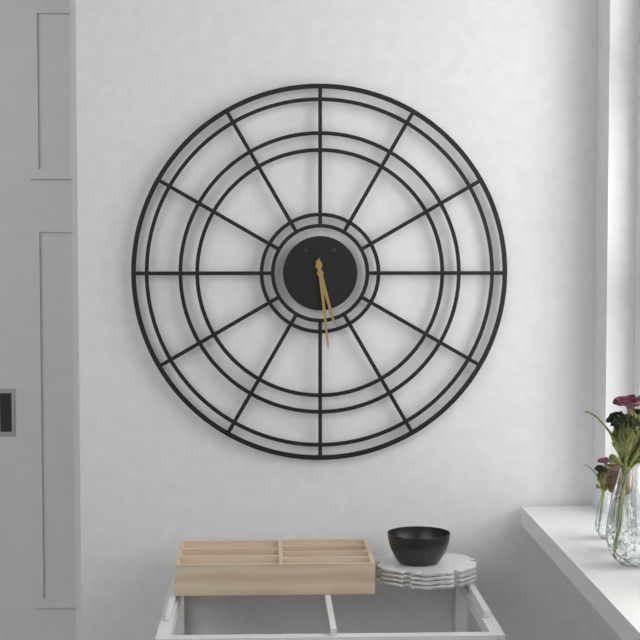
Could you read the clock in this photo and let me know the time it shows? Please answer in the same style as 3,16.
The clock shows 5,29
